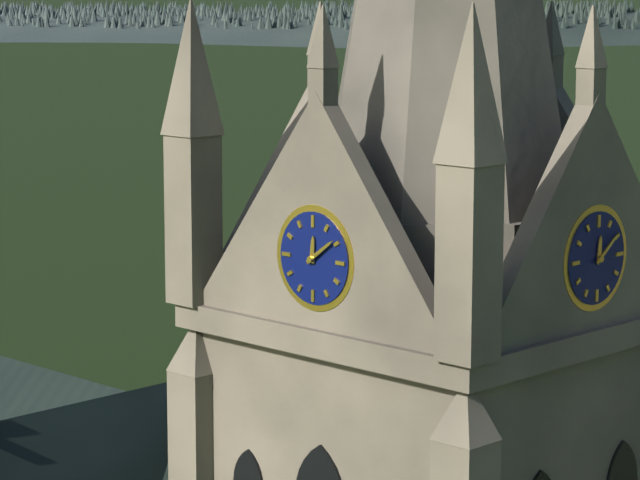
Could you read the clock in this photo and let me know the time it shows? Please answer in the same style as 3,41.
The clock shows 12,09
